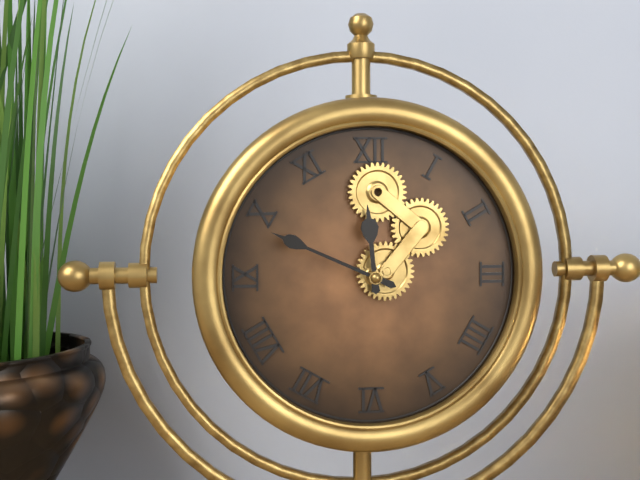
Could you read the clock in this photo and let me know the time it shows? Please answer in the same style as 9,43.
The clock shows 11,49
